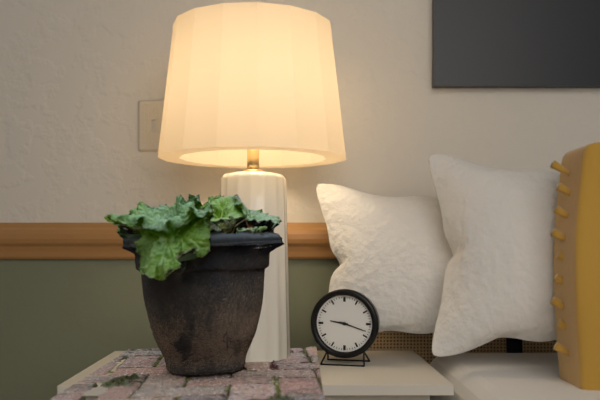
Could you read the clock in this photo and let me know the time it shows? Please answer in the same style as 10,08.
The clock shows 9,18
